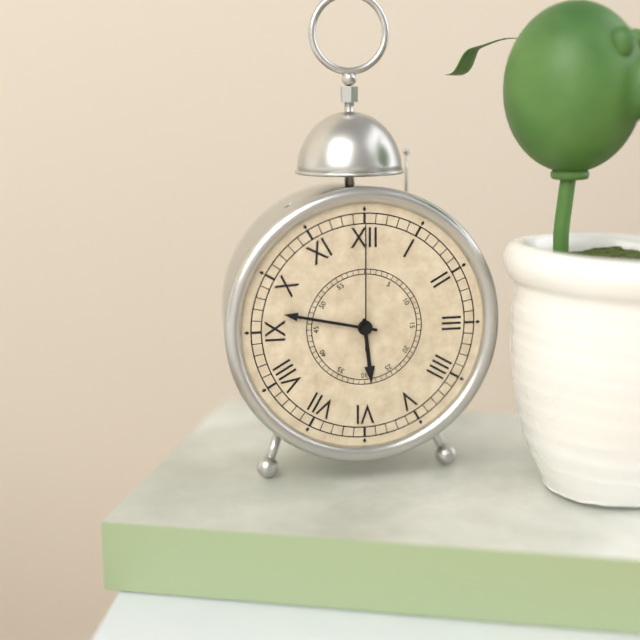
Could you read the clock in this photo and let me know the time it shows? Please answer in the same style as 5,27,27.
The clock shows 5,47,00
